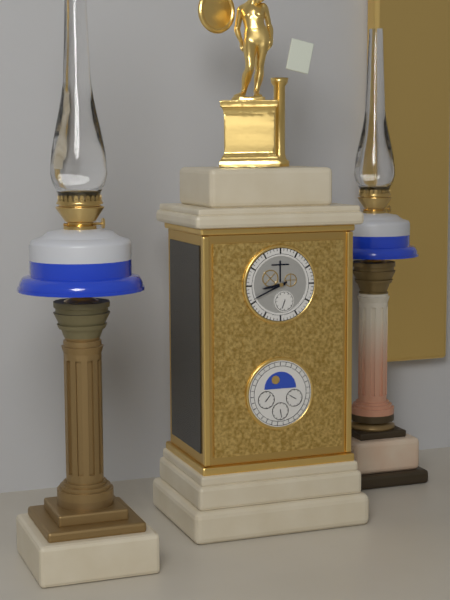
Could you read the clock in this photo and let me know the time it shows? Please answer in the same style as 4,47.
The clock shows 8,41
